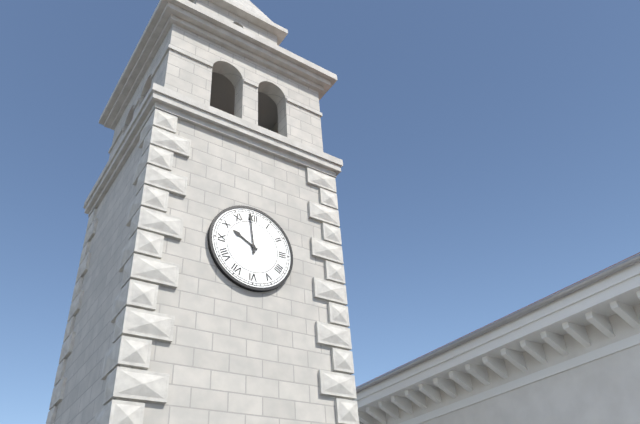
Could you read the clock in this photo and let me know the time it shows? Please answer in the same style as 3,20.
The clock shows 9,59
